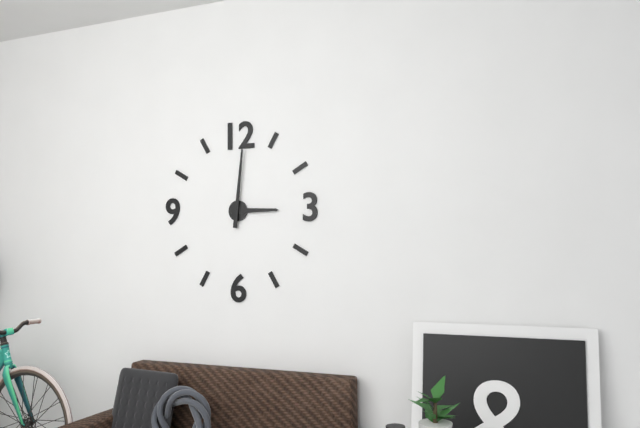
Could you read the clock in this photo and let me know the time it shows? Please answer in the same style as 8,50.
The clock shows 3,01
